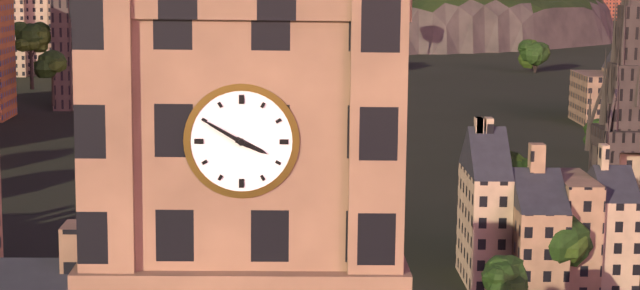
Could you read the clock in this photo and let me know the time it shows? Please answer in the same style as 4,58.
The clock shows 3,50
